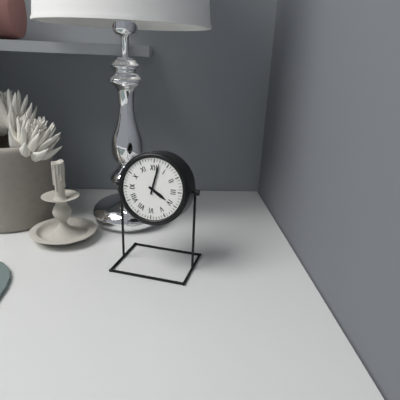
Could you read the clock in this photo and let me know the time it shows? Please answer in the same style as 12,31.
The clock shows 4,02
